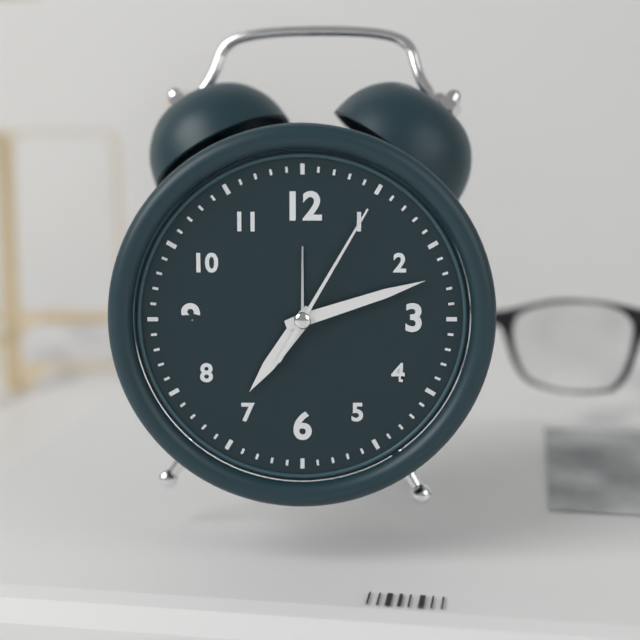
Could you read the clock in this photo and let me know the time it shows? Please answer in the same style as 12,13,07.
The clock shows 7,12,05
